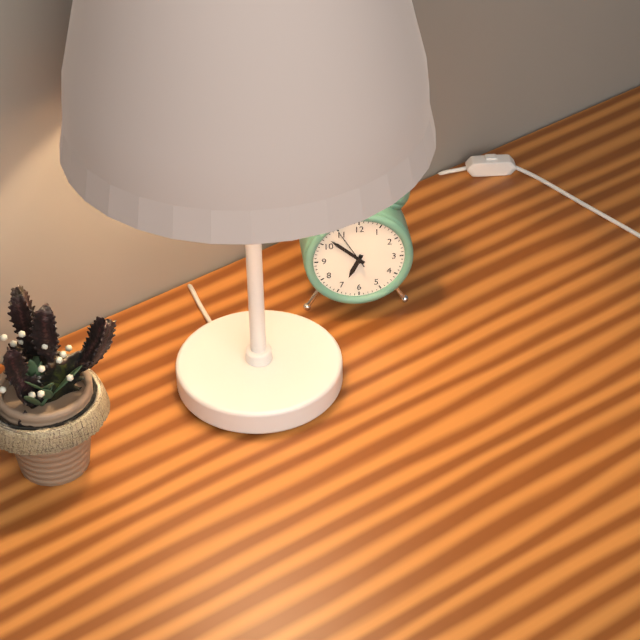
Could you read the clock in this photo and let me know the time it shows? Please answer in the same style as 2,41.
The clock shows 6,52
